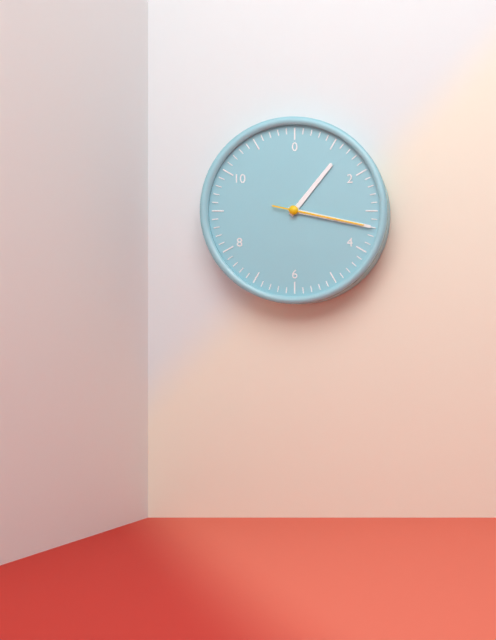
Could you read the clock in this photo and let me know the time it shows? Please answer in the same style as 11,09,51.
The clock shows 1,17,17
